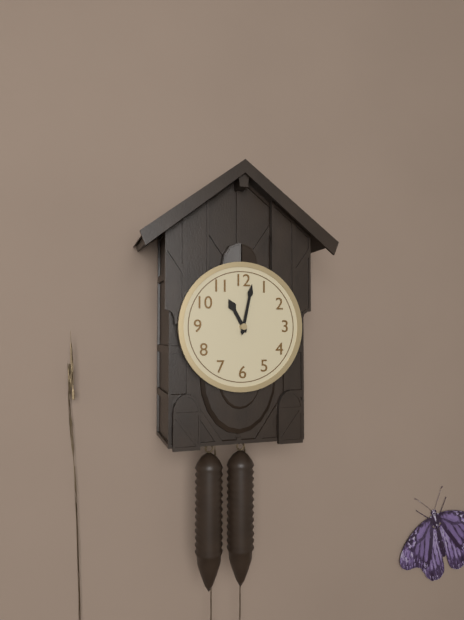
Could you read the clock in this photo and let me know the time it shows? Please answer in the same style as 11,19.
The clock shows 11,02
